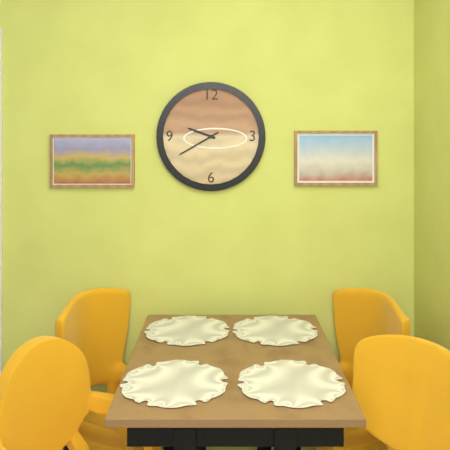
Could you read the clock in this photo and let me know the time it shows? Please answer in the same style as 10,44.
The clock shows 9,40
